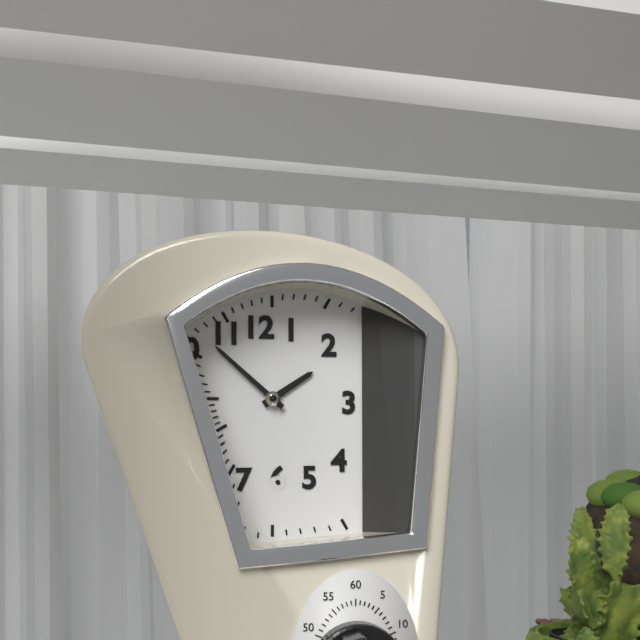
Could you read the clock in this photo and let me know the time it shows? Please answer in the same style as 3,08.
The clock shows 1,52
